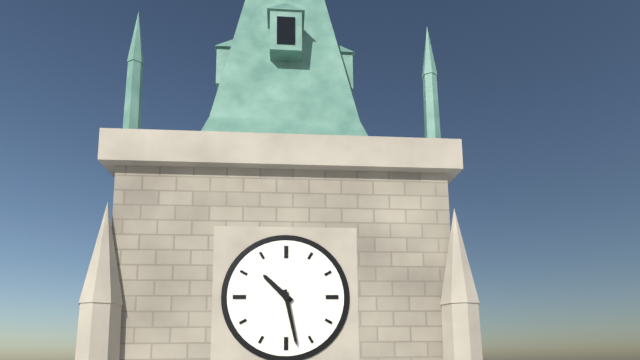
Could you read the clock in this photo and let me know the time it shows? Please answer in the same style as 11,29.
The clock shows 10,28
